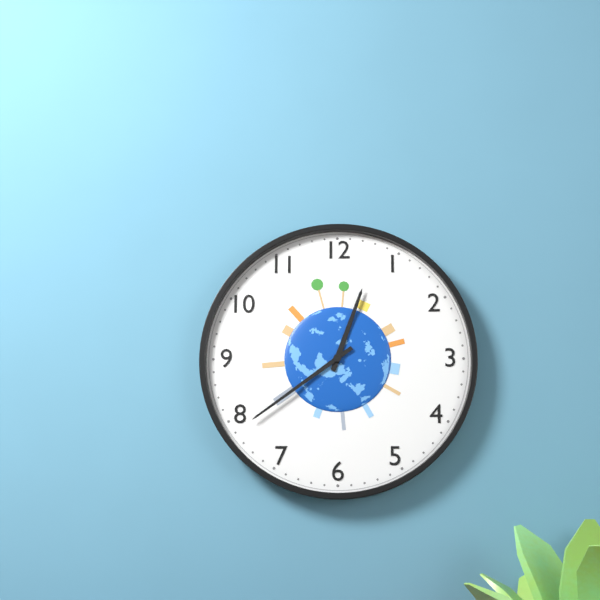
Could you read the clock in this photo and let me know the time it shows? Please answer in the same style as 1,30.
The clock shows 12,39
